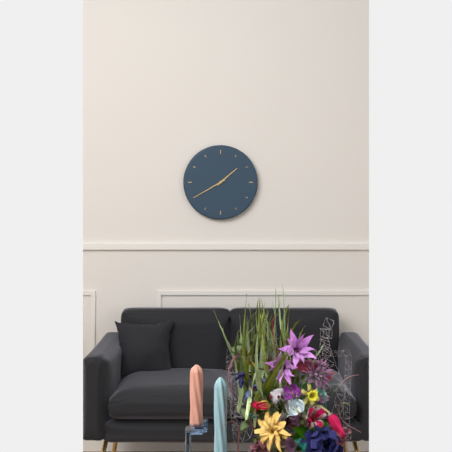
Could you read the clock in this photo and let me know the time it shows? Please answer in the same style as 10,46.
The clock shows 1,40
